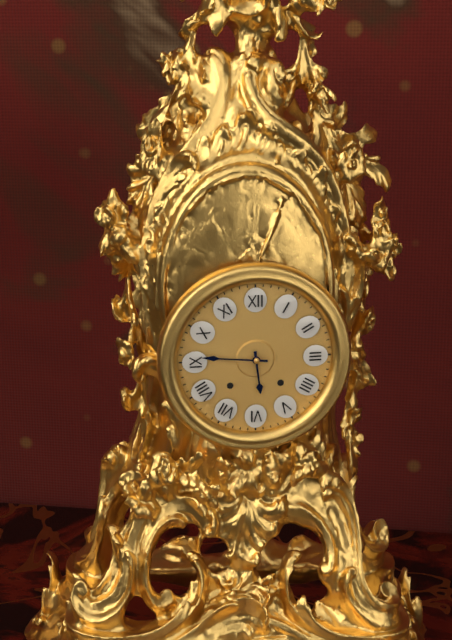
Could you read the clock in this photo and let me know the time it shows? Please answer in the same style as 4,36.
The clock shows 5,46
